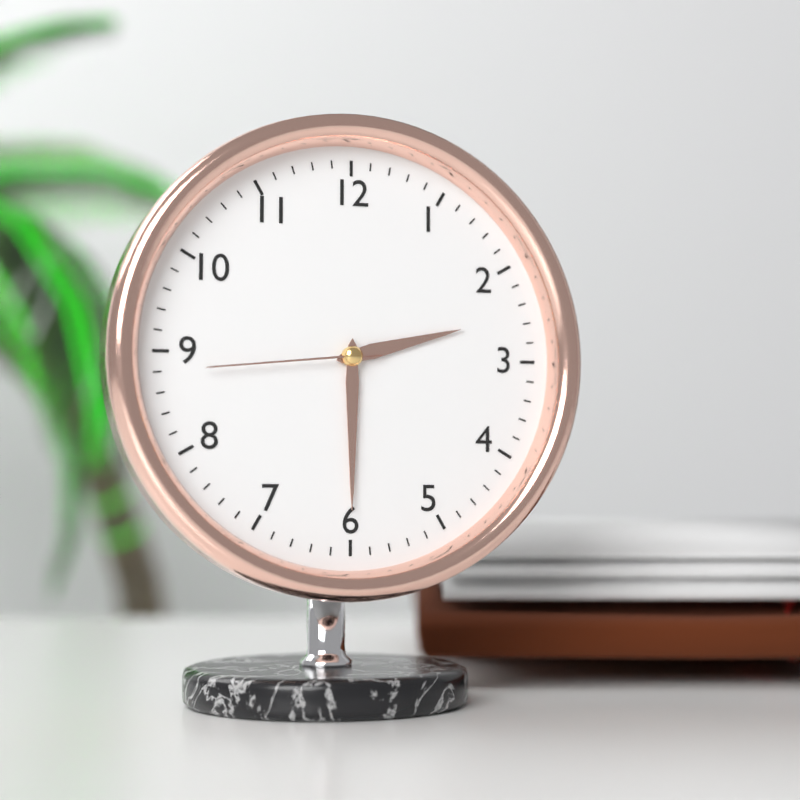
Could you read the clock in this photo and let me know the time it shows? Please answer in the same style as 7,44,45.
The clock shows 2,30,44
